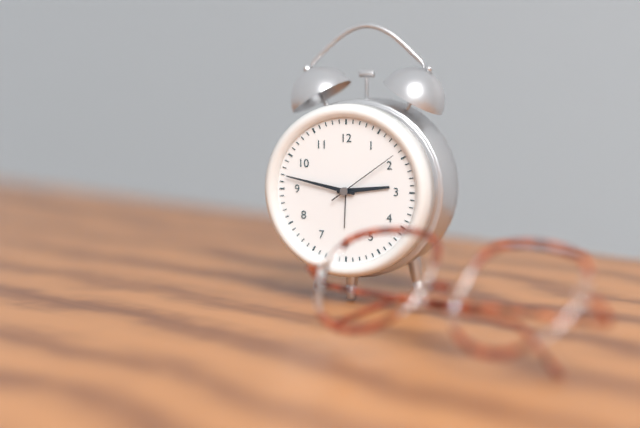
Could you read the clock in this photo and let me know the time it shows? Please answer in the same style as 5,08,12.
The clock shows 2,47,09
